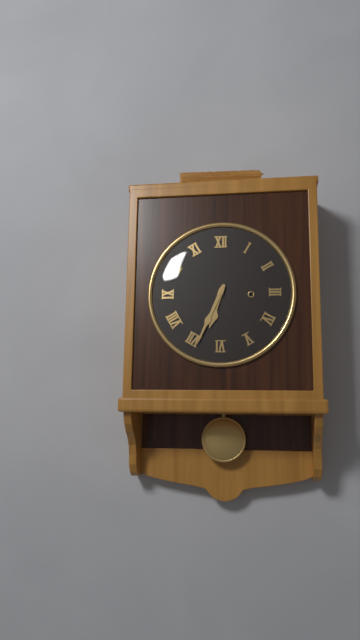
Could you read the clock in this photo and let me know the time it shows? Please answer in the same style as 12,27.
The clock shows 6,34
